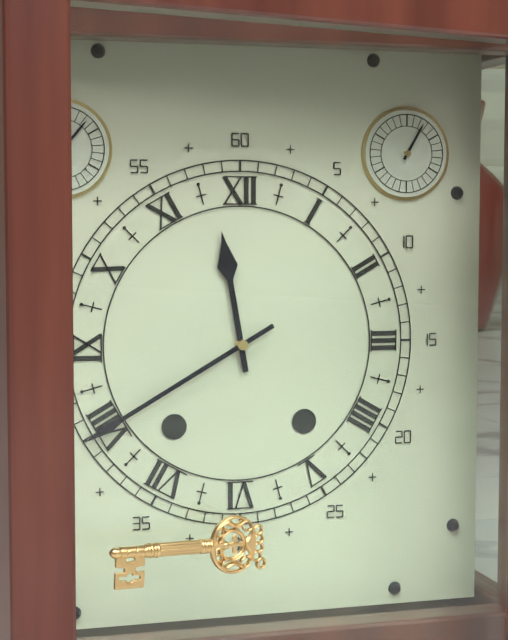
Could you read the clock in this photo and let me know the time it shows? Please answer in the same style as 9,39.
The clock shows 11,40
